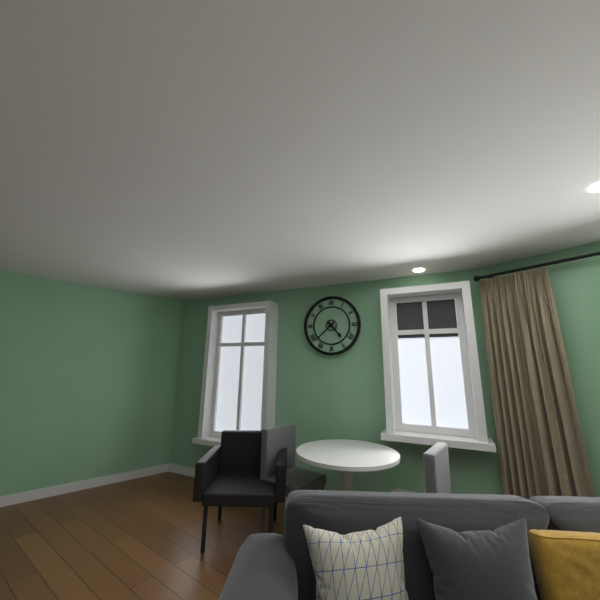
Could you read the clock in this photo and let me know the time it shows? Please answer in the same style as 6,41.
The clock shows 4,38
